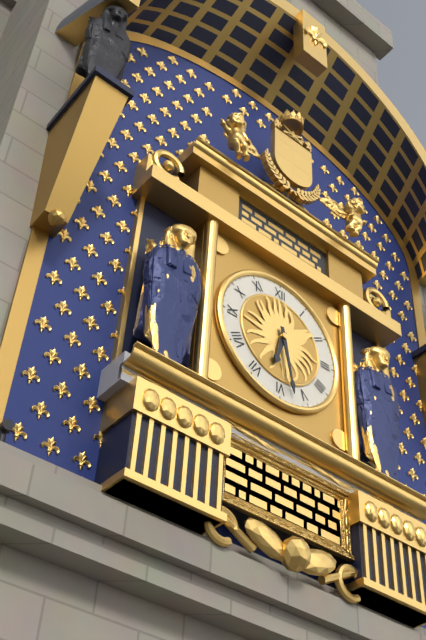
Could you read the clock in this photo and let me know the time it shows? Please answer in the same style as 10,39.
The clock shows 6,28
